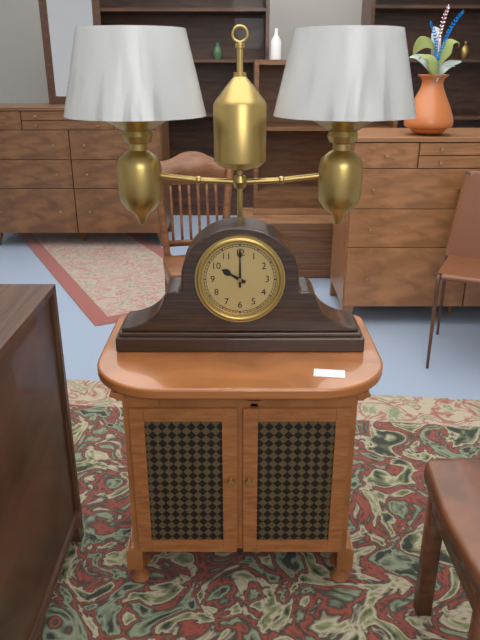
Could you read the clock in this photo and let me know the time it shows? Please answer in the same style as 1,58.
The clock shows 10,00
